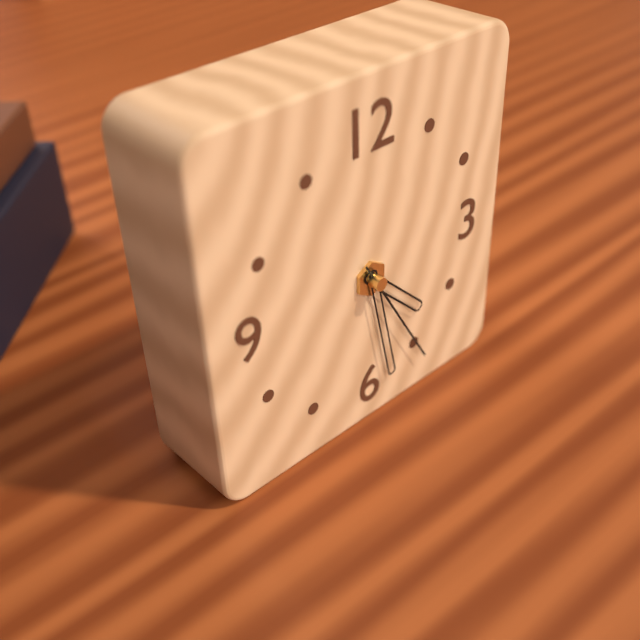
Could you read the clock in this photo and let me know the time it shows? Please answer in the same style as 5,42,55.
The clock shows 4,28,25
